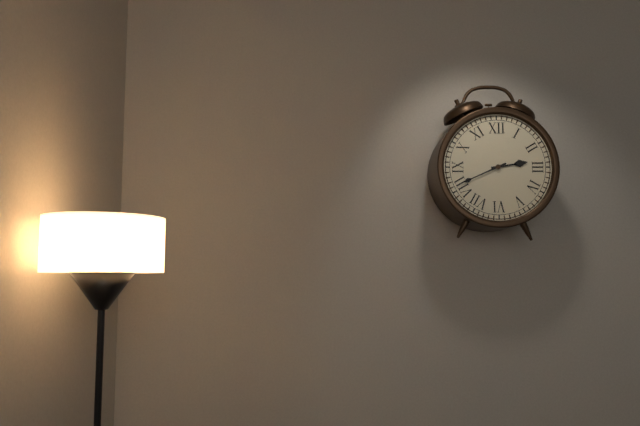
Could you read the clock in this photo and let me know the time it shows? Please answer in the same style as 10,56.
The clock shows 2,41
